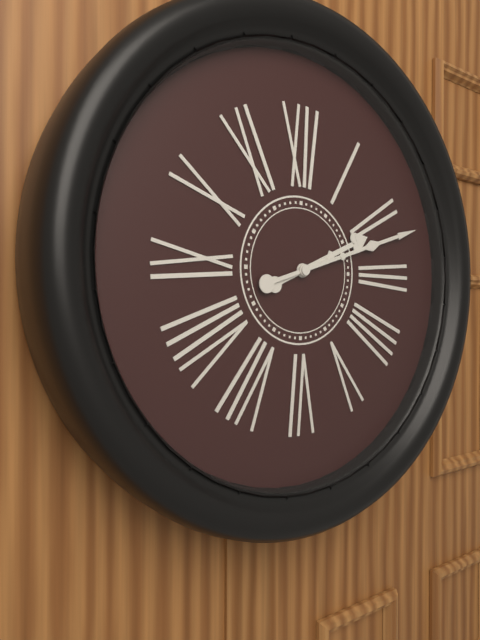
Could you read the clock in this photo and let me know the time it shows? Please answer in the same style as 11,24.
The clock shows 2,12
